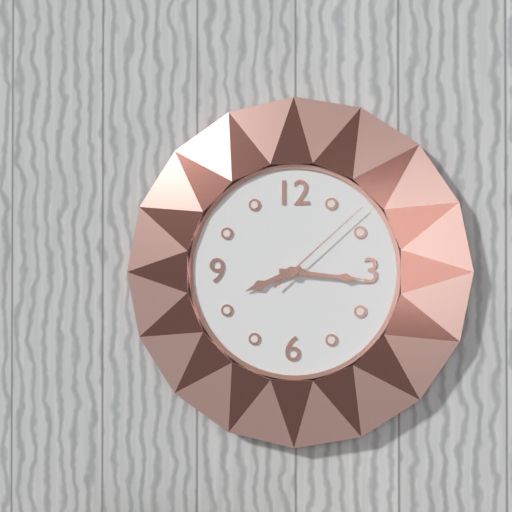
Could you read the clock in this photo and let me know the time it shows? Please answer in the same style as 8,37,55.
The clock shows 8,16,08
